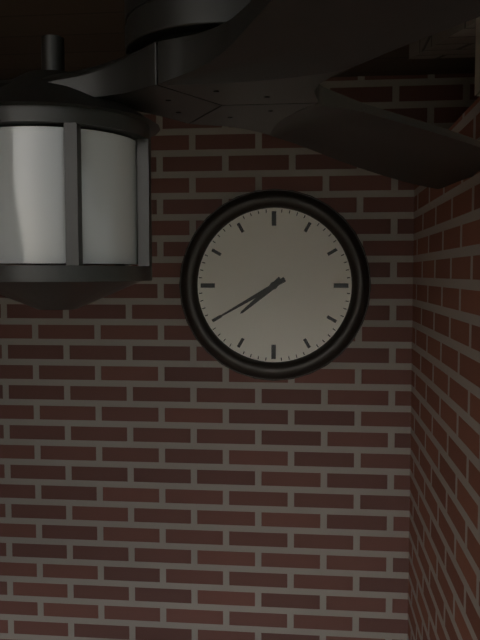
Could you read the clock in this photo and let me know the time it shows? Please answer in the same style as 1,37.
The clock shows 7,40
